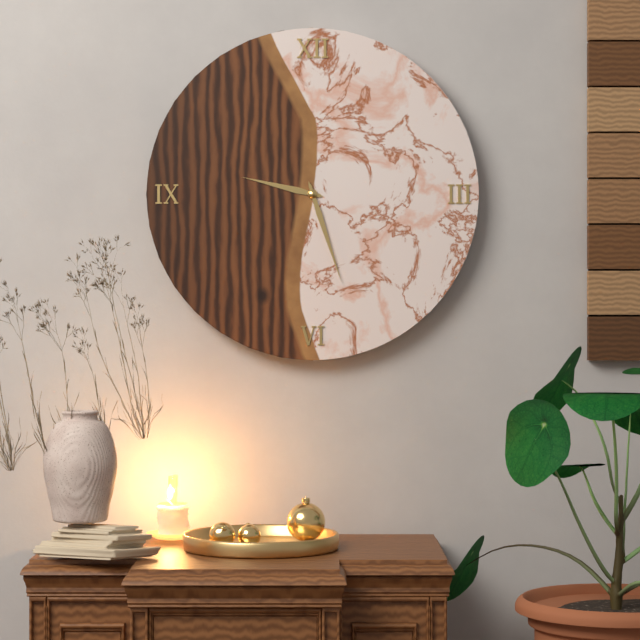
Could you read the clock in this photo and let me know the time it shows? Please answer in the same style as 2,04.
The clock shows 9,27
